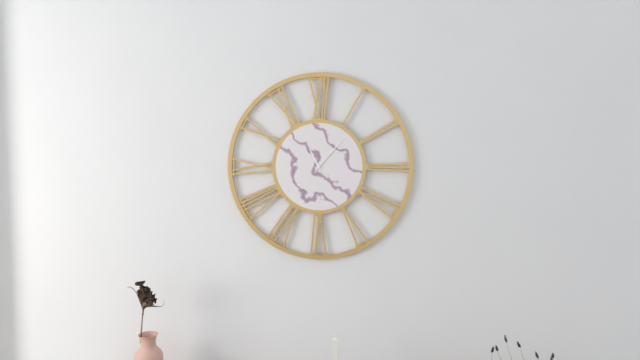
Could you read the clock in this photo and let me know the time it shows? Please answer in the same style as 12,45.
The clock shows 11,07
